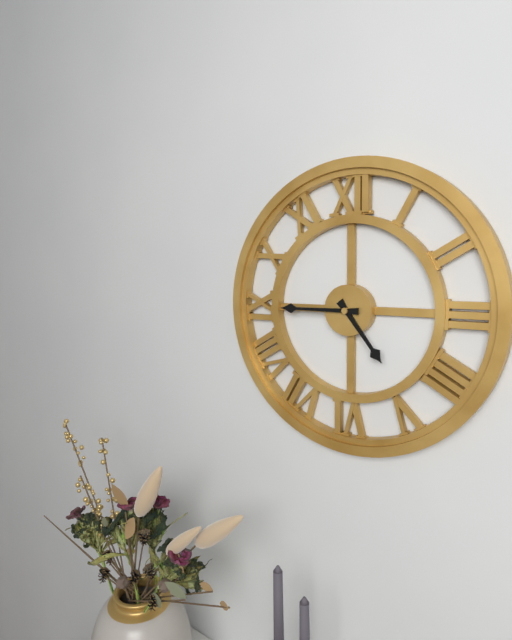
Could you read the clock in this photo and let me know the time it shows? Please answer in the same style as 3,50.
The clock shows 4,45
